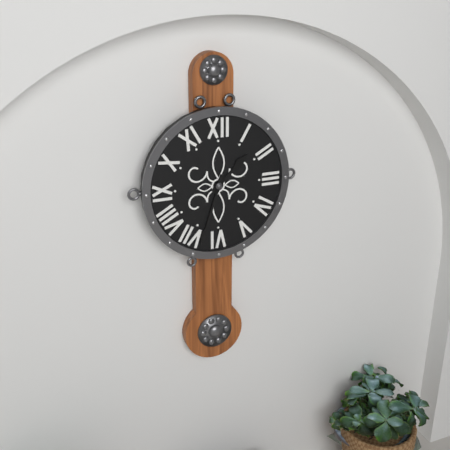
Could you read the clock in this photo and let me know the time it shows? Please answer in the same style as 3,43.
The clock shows 1,33
